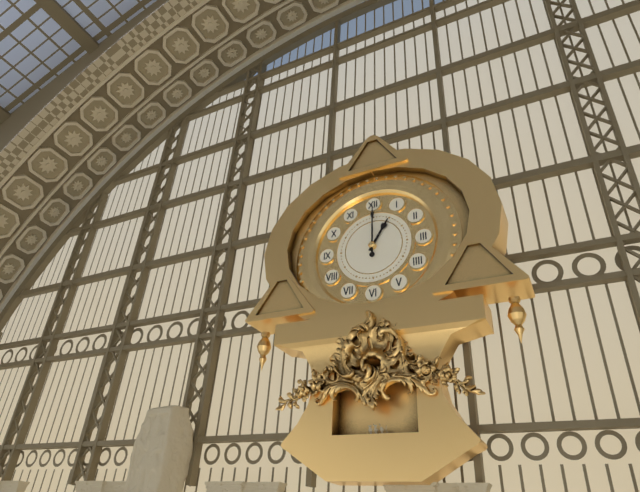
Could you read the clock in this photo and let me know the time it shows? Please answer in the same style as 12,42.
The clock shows 1,00
